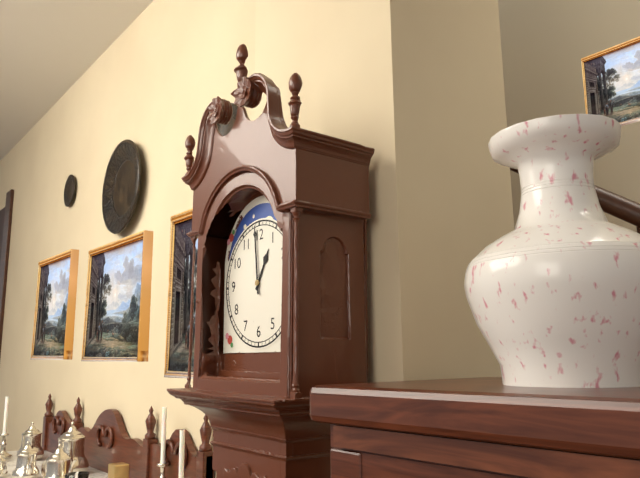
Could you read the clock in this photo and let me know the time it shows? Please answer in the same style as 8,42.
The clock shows 12,59
